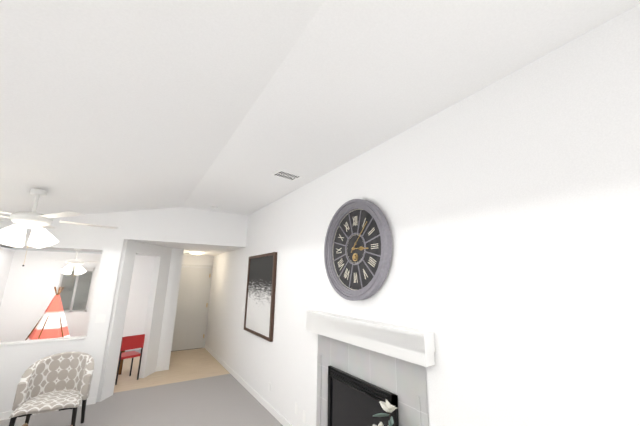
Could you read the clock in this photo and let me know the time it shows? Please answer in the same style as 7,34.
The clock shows 3,07
